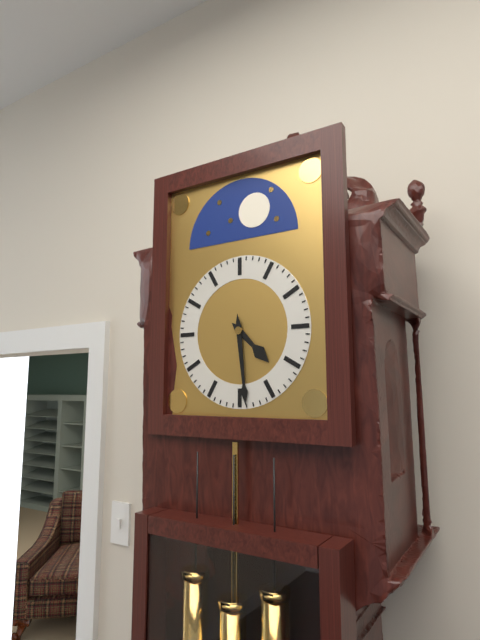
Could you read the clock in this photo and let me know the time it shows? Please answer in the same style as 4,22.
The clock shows 4,29
